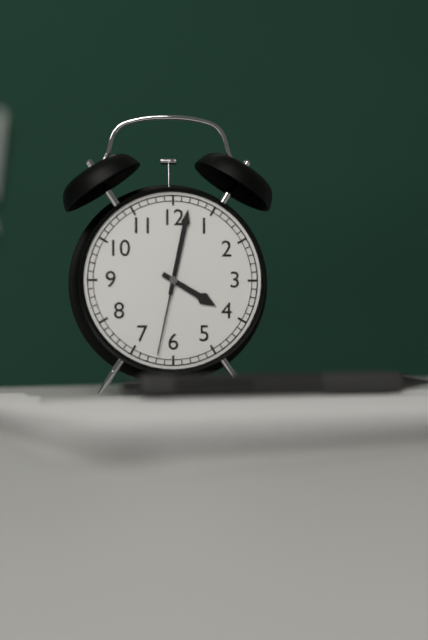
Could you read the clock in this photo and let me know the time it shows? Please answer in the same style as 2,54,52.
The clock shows 4,02,32
